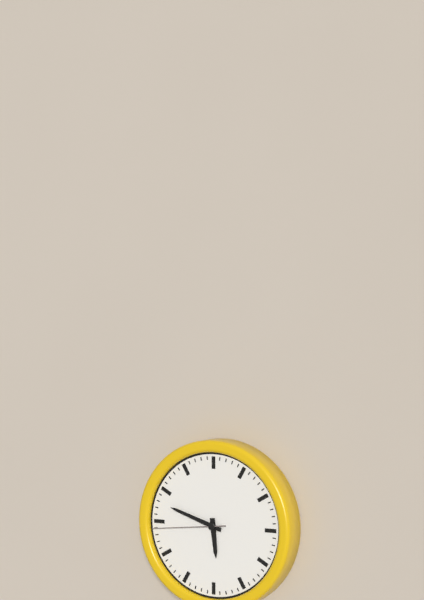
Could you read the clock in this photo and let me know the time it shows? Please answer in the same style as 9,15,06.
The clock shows 5,48,44
